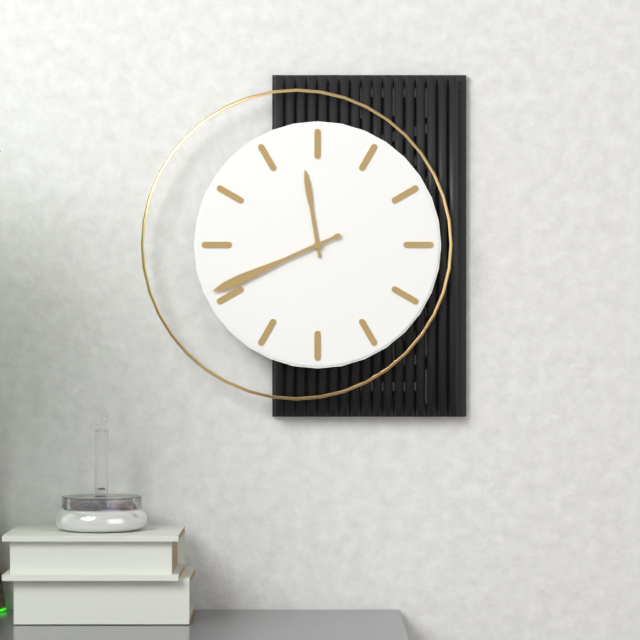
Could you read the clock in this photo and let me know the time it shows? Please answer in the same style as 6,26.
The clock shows 11,41
